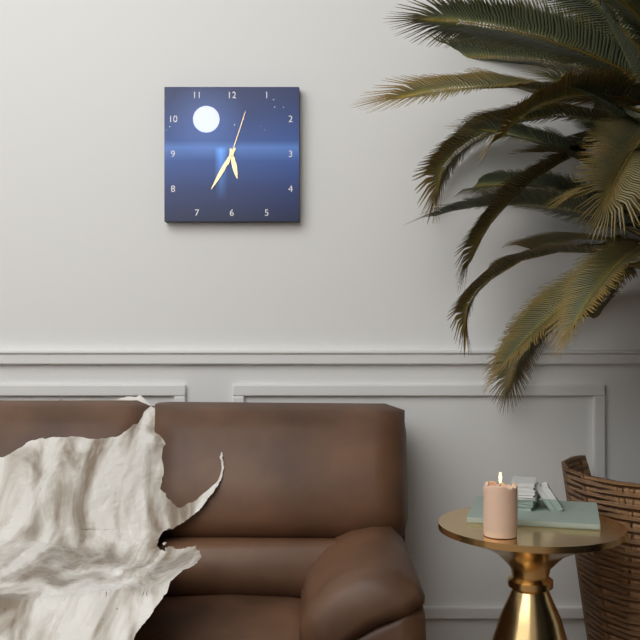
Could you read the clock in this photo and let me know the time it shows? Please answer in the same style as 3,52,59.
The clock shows 5,35,03
